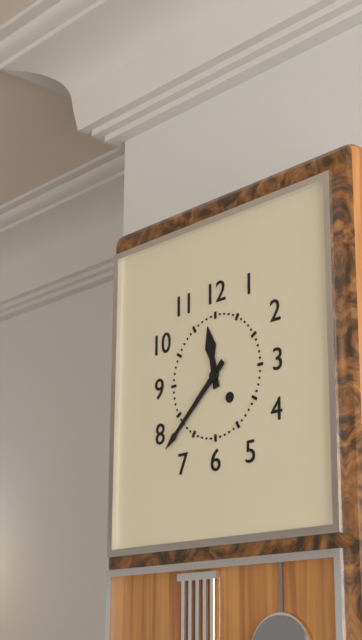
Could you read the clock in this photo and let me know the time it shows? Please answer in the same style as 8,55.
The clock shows 11,38
